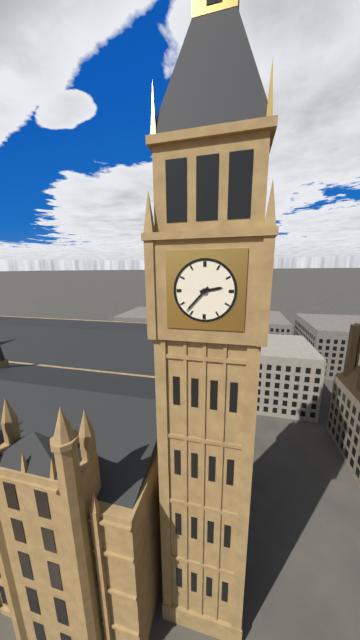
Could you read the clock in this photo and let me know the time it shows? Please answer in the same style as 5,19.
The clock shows 2,37
